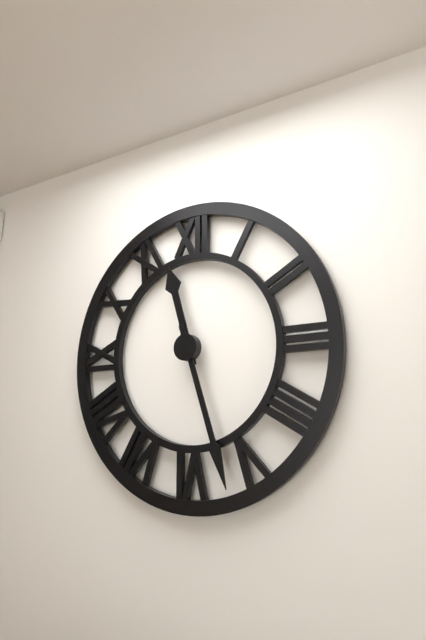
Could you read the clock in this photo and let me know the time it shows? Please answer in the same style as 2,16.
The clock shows 11,27
